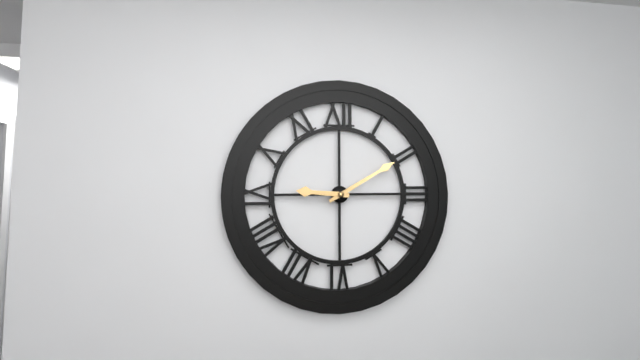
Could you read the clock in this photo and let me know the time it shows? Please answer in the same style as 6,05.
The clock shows 9,10
